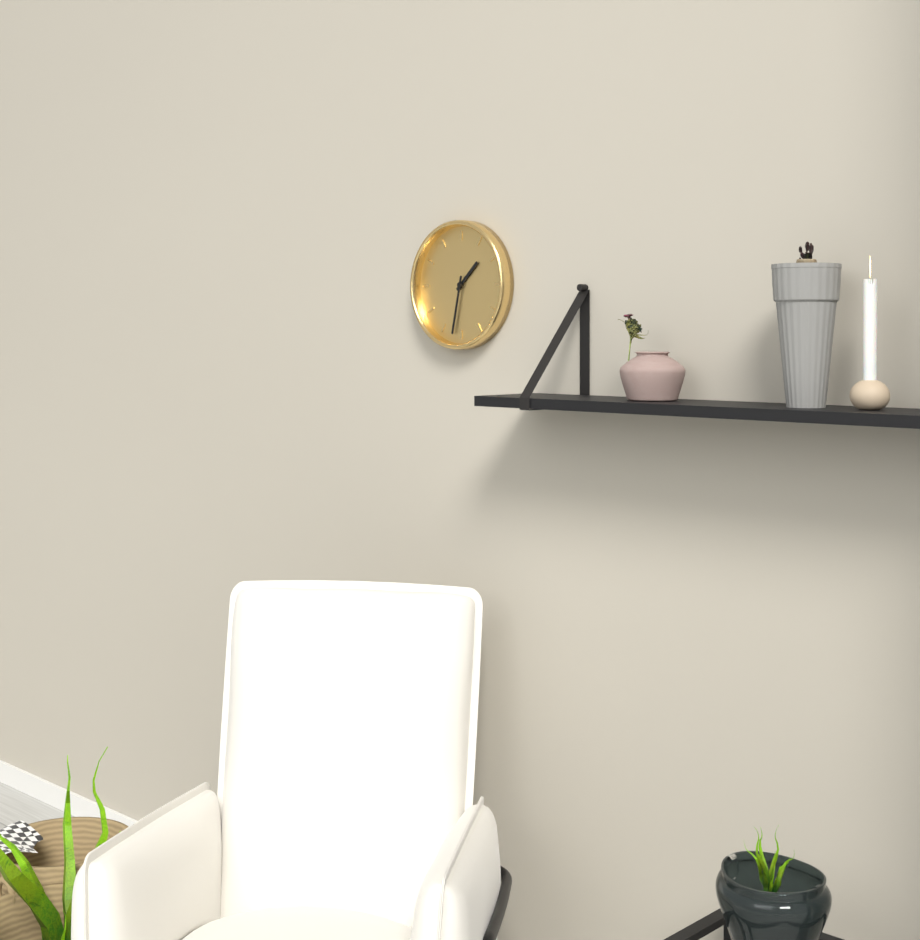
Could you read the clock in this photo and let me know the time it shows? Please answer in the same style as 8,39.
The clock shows 1,32
